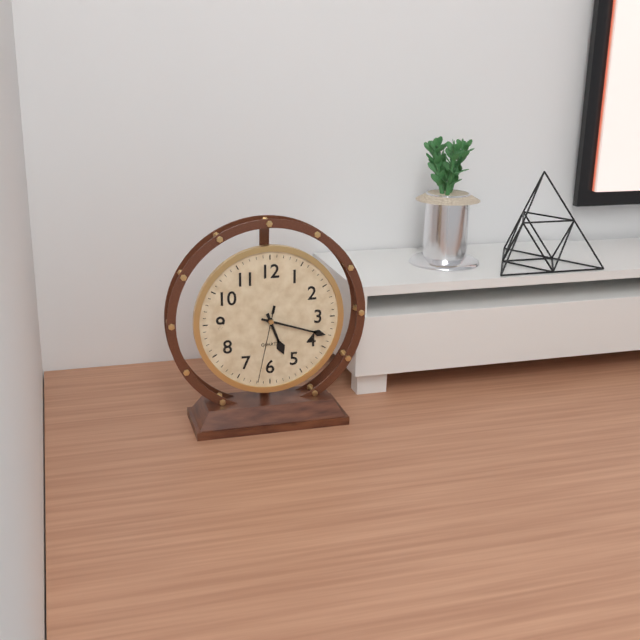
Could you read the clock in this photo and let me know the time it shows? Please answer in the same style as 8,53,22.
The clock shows 5,18,32
